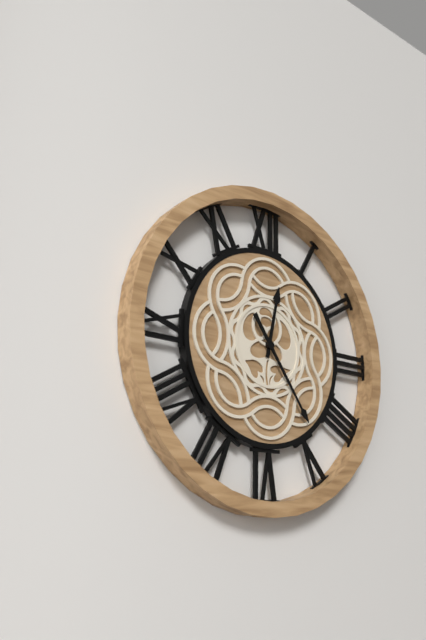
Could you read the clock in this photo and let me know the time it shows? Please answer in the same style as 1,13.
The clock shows 12,24
